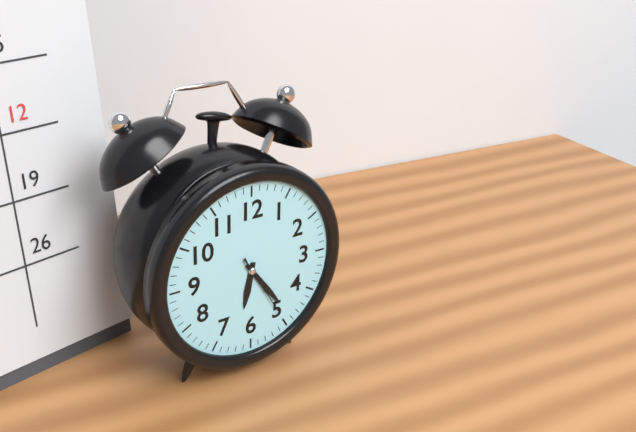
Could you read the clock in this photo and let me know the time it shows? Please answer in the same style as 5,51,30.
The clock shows 6,24,25
